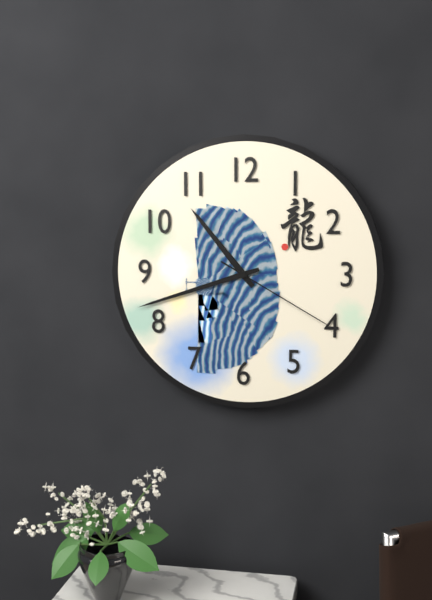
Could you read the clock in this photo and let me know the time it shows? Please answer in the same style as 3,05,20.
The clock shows 10,42,20
